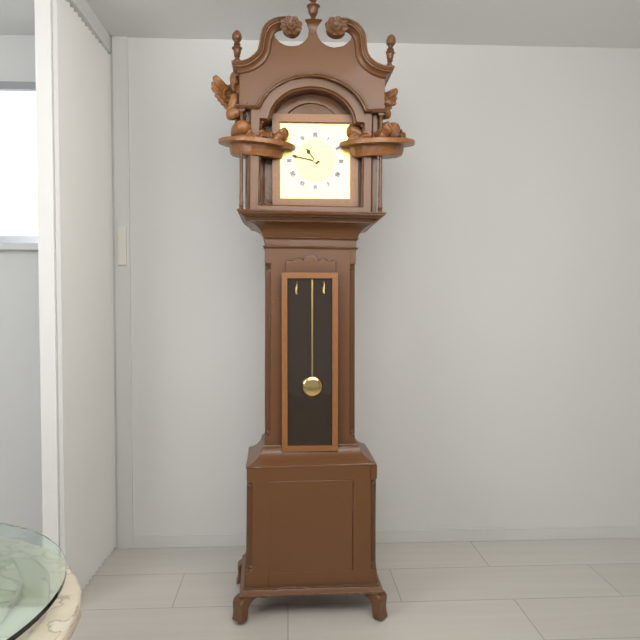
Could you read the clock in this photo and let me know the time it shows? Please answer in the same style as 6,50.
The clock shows 10,47
